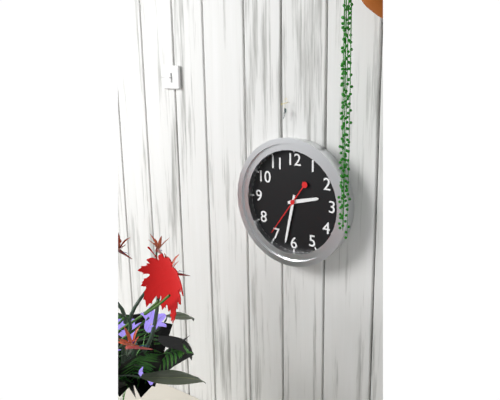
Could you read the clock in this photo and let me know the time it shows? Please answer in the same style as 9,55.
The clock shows 2,32
